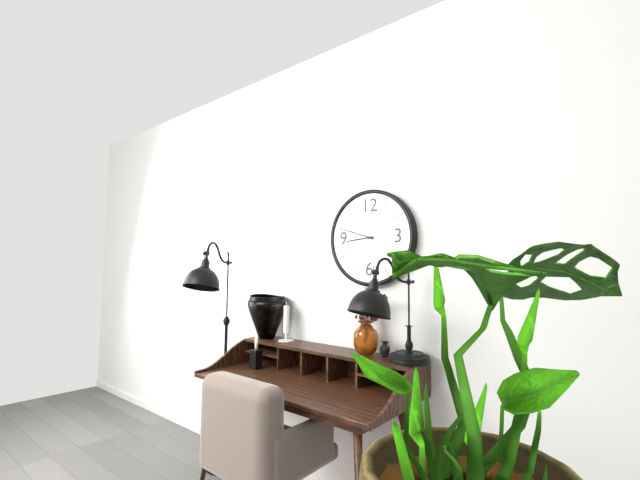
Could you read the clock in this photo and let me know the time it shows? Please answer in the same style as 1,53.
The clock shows 8,48
